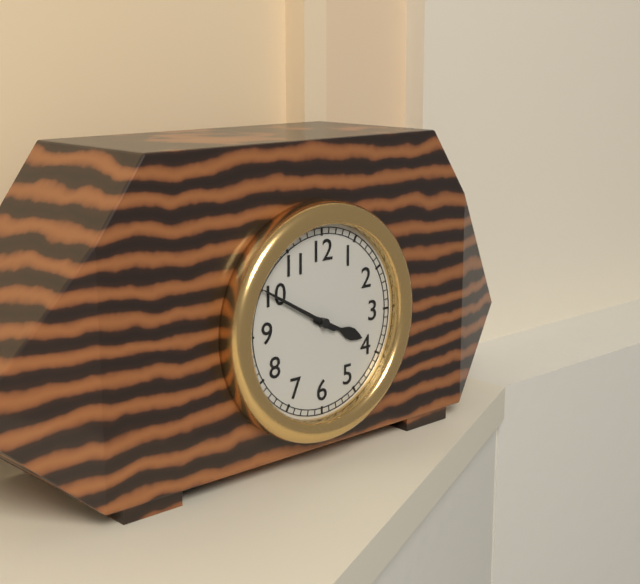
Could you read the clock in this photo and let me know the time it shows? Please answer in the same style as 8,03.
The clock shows 3,50
